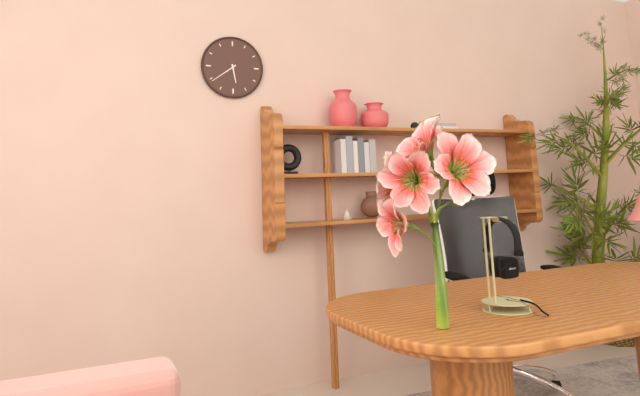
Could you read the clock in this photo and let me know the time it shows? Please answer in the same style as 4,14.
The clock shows 5,39
